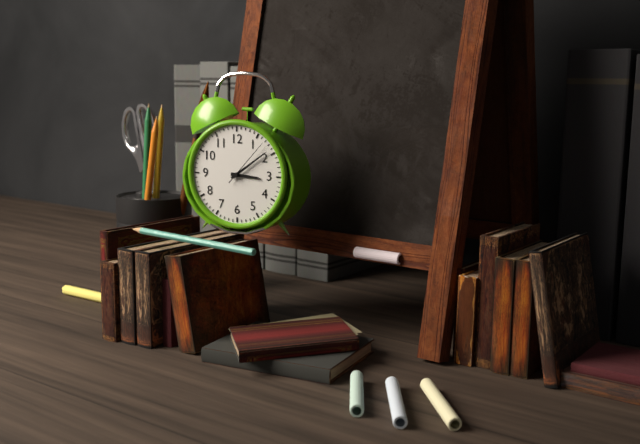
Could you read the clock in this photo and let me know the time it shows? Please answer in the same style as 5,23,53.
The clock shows 3,09,07
